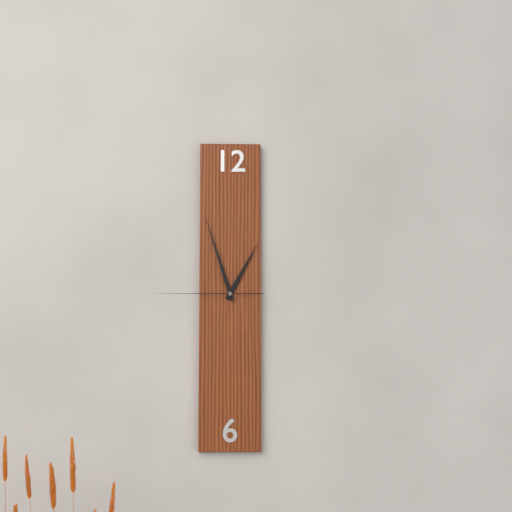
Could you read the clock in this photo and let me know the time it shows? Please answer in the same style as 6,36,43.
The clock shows 12,57,45
